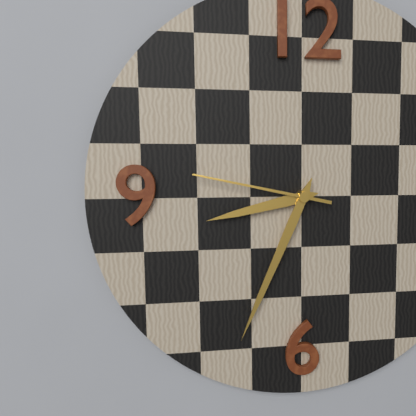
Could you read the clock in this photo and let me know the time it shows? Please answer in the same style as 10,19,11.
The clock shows 8,34,47
